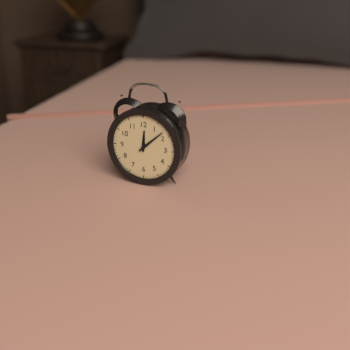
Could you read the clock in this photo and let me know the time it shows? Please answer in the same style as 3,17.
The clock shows 12,08
